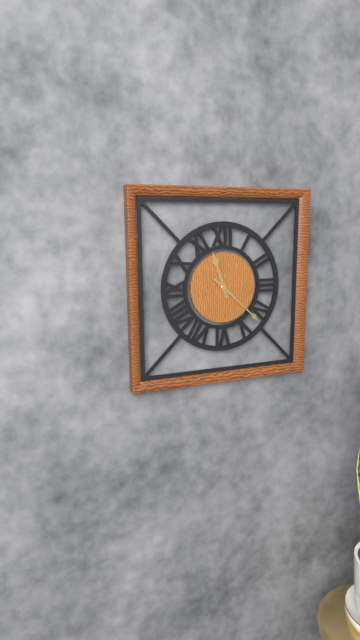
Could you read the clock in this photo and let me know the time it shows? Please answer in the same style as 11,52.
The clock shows 11,22
